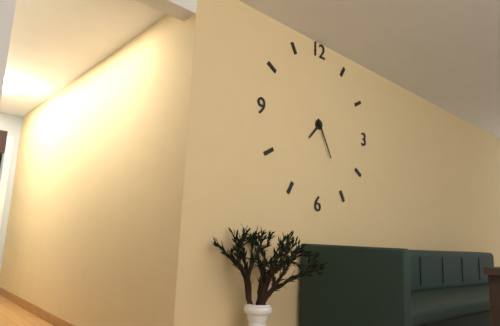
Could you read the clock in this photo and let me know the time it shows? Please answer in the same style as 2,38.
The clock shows 7,25
